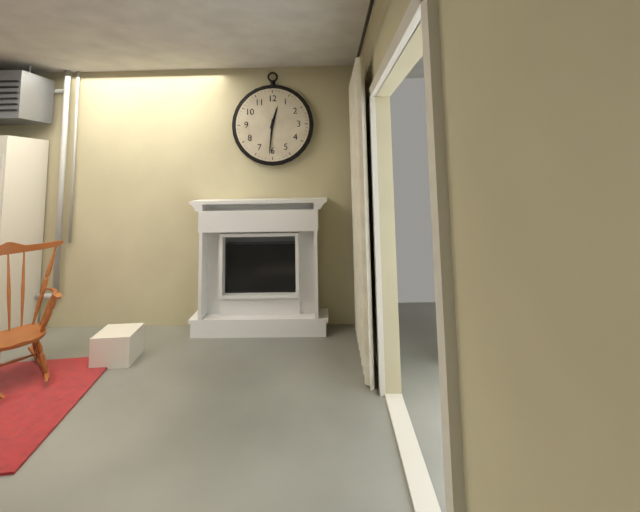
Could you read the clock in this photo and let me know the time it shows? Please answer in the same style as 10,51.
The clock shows 12,31
